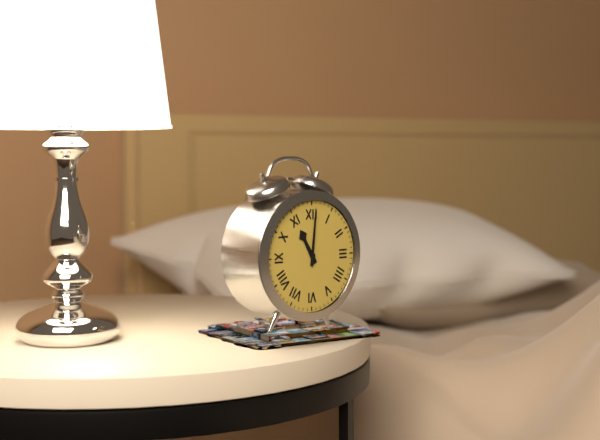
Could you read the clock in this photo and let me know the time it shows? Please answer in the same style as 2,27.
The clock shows 11,01
